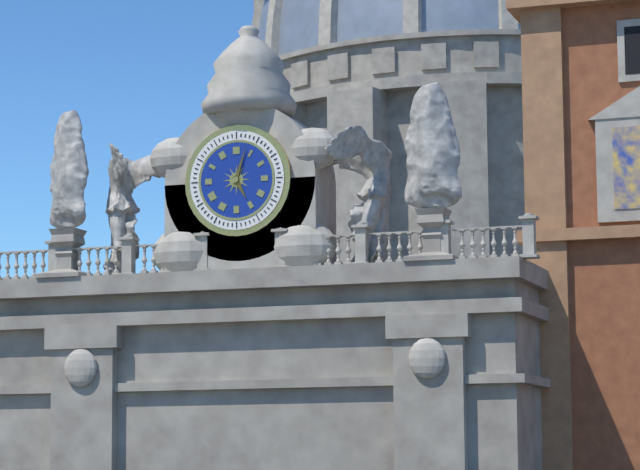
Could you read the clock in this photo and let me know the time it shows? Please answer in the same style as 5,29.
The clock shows 5,03
